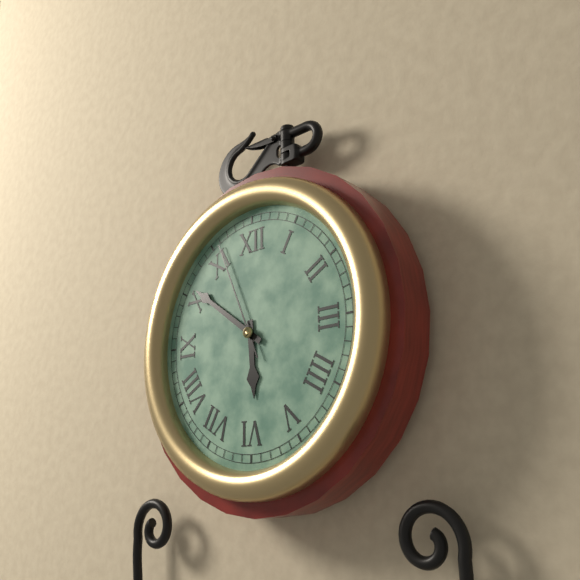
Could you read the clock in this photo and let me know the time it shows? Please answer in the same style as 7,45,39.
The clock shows 5,51,56
